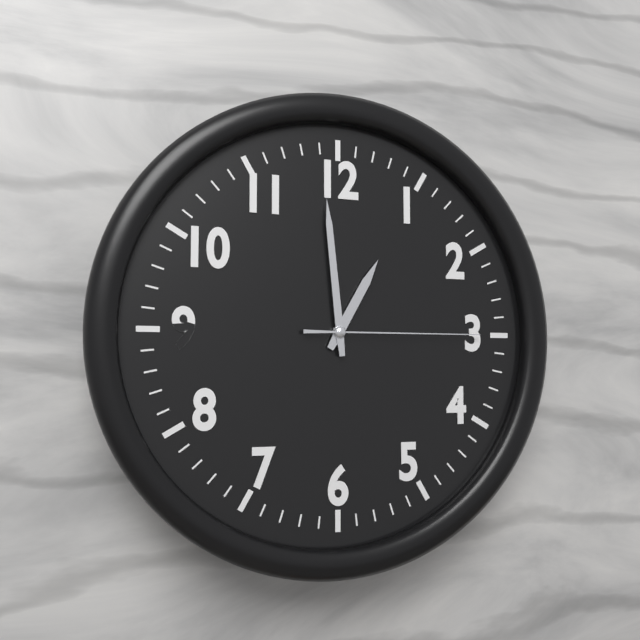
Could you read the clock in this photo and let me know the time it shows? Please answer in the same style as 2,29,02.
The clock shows 12,59,15
